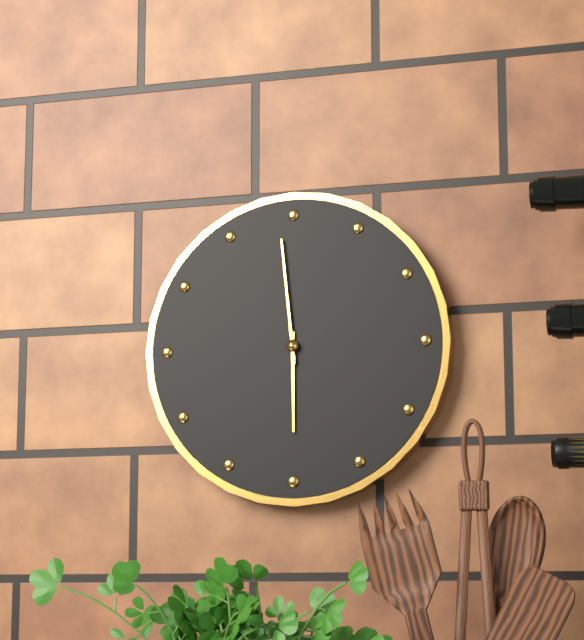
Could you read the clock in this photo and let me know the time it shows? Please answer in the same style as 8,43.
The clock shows 5,59
